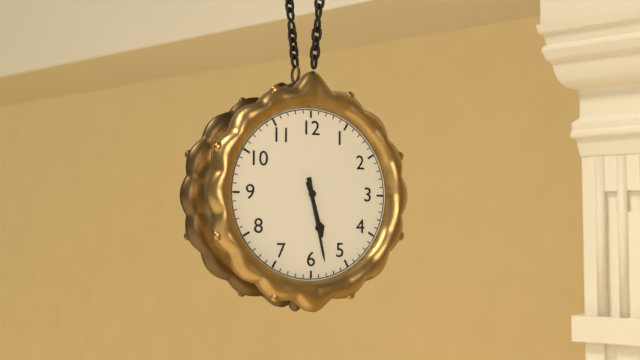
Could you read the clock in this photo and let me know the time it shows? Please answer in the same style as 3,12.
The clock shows 5,28
